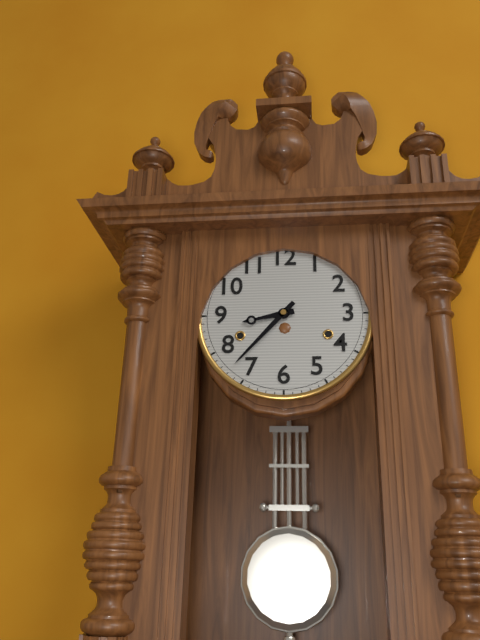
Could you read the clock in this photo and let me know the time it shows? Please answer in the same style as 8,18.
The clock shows 8,37
